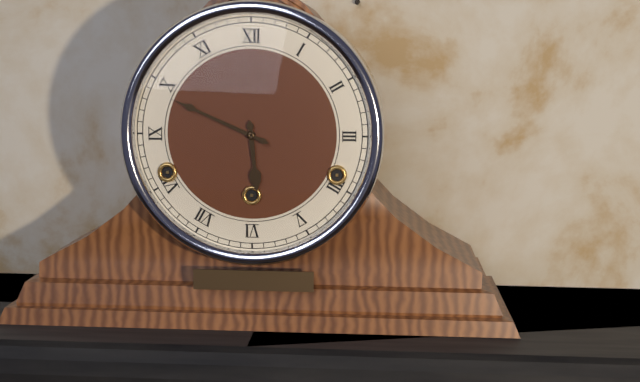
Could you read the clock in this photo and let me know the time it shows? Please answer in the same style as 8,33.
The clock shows 5,49
